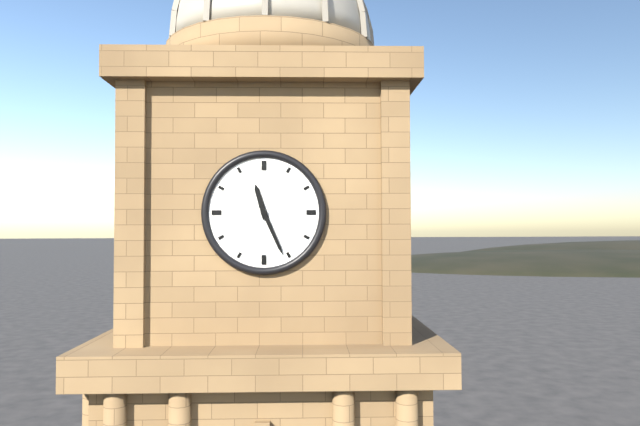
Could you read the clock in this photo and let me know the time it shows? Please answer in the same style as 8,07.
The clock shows 11,26
